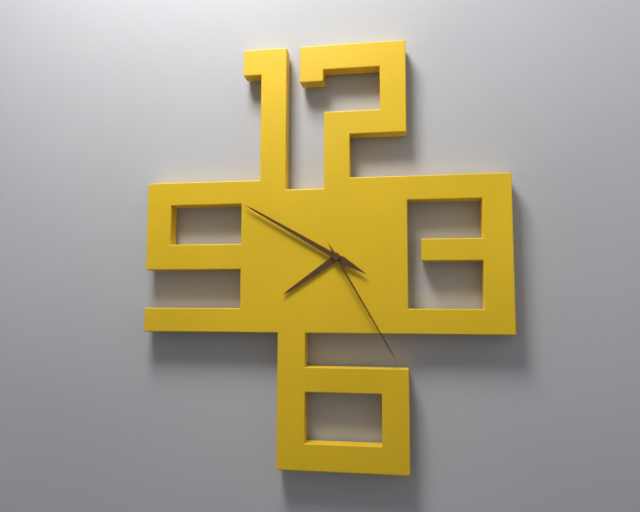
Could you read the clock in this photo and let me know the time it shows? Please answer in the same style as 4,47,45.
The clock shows 7,50,25
